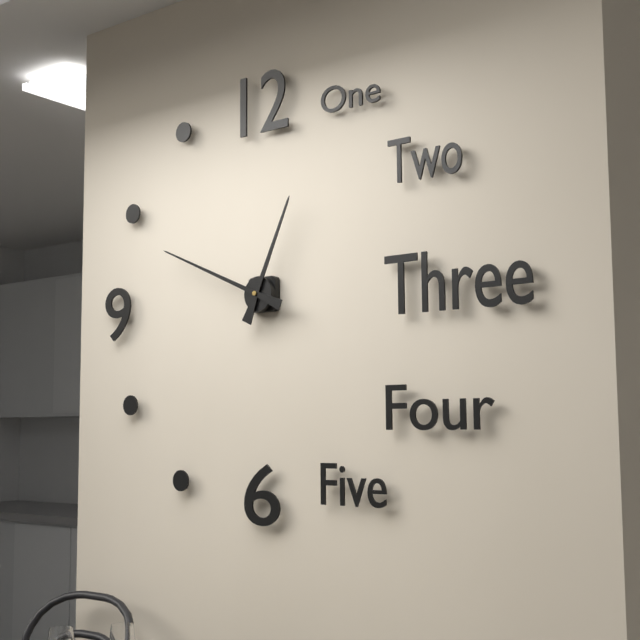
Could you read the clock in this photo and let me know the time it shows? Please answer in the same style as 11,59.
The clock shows 12,49
